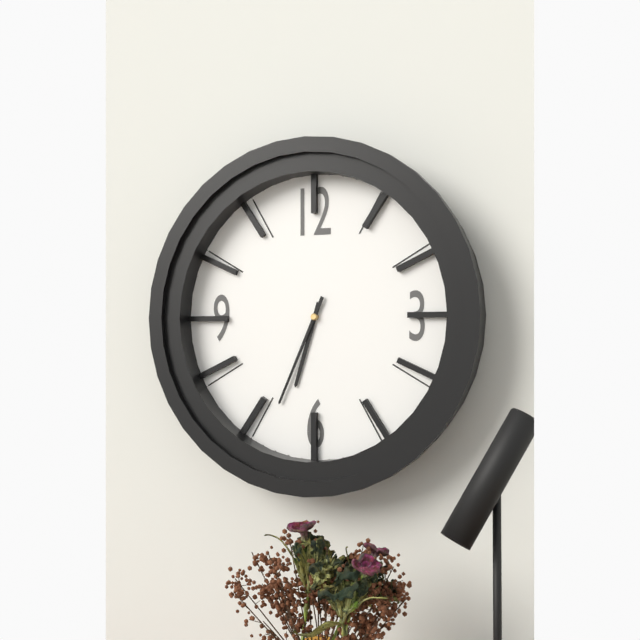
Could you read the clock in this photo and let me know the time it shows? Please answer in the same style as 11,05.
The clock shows 6,34
